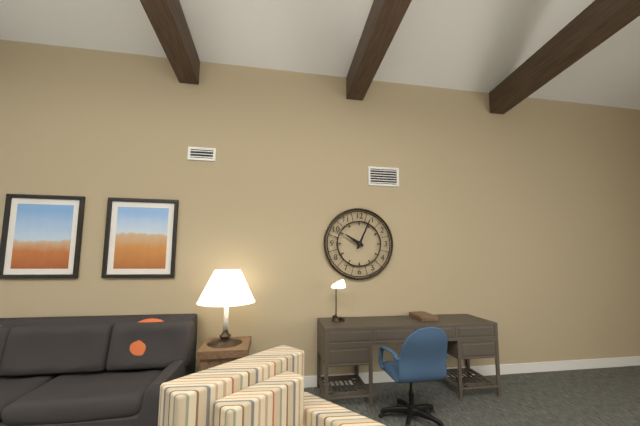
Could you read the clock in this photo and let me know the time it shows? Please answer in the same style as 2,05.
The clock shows 10,04
